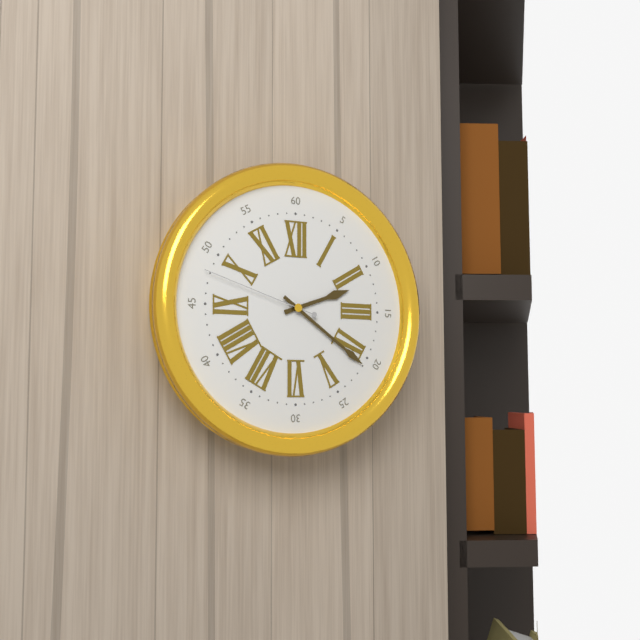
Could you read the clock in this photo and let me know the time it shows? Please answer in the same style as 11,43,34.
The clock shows 2,21,48
